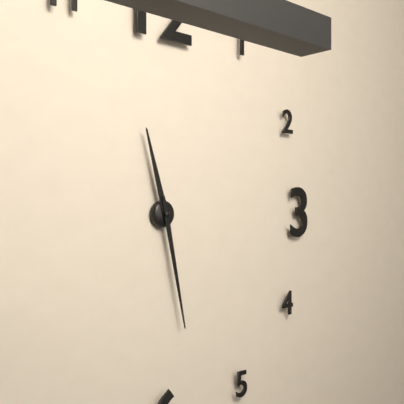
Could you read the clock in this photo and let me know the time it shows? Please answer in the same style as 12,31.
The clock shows 11,28
